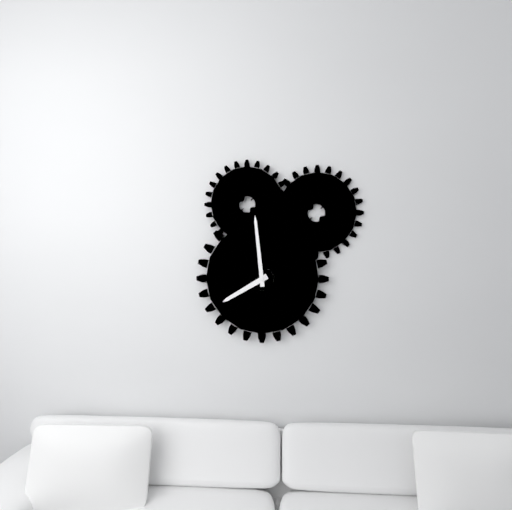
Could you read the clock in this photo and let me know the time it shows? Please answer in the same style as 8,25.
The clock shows 7,59
